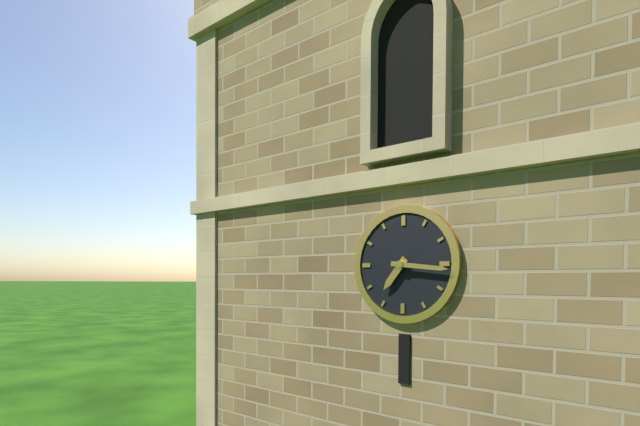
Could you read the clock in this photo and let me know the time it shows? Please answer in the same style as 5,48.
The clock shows 7,16
